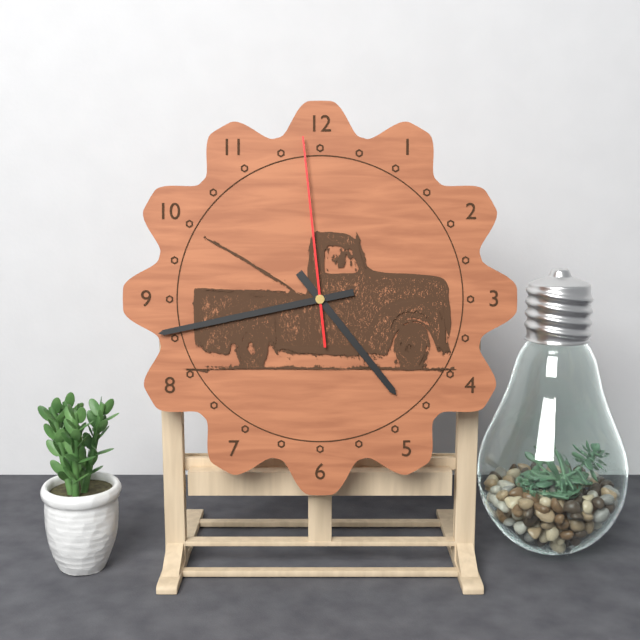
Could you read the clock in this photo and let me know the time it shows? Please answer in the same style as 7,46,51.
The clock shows 4,43,59
